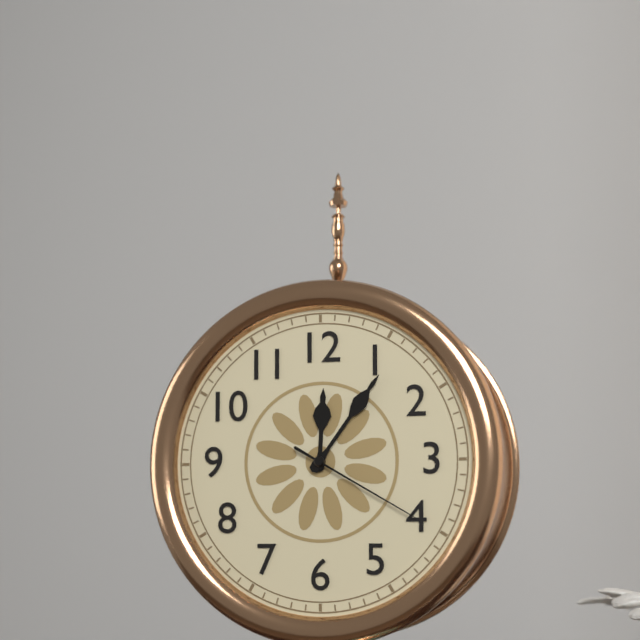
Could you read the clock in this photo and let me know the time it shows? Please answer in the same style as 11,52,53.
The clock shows 12,06,20
